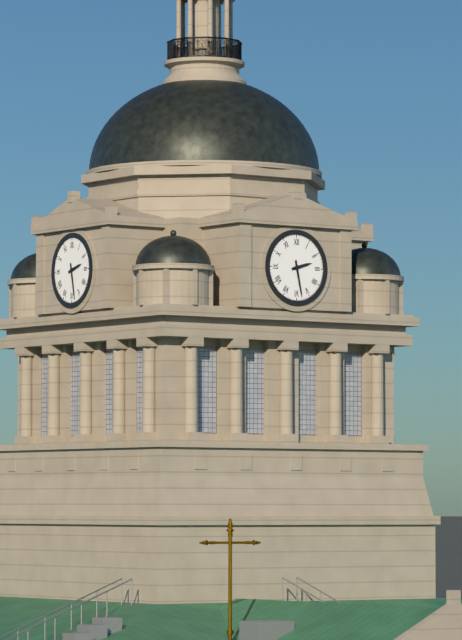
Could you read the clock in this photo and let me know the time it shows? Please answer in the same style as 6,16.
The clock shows 2,28
